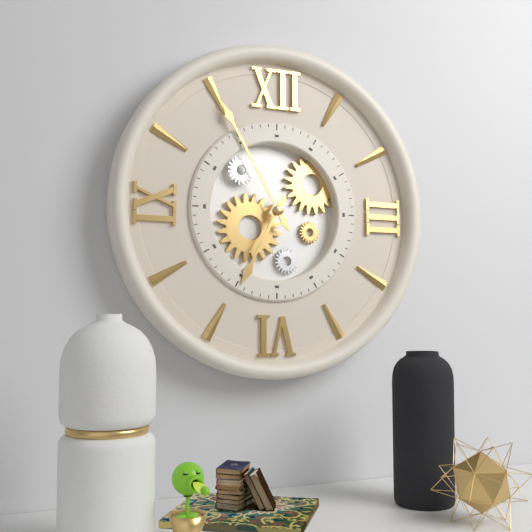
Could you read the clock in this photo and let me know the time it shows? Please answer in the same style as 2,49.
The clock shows 6,55
